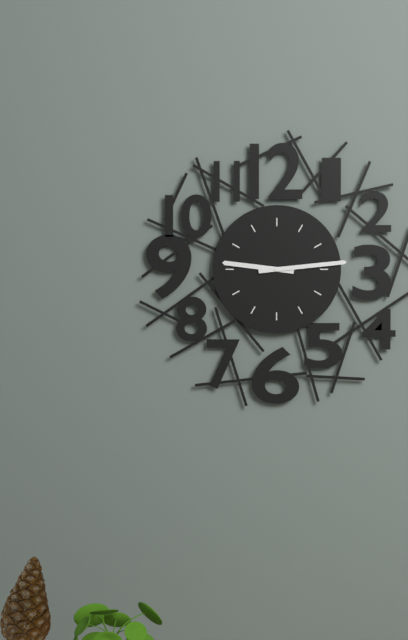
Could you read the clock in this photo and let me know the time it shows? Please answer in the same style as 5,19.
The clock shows 9,14
